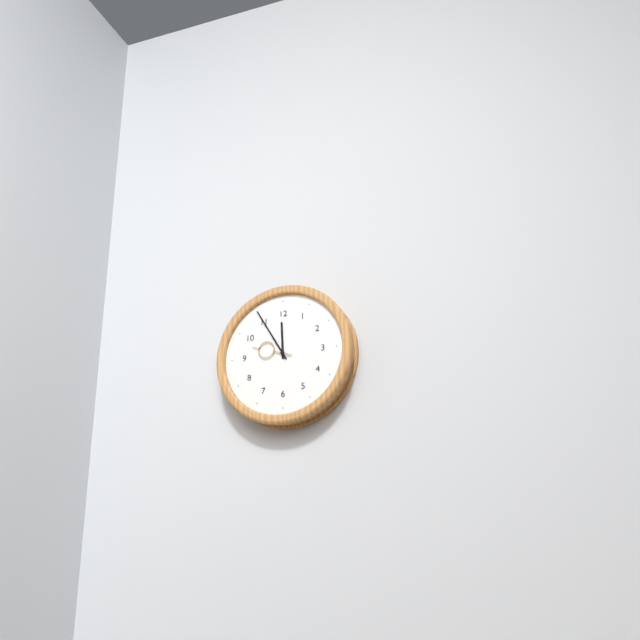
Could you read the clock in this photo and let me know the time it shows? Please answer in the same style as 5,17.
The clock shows 11,55
